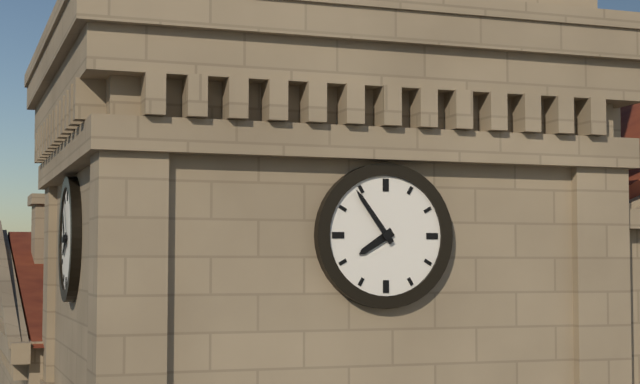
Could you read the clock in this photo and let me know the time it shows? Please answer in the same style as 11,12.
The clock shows 7,54
